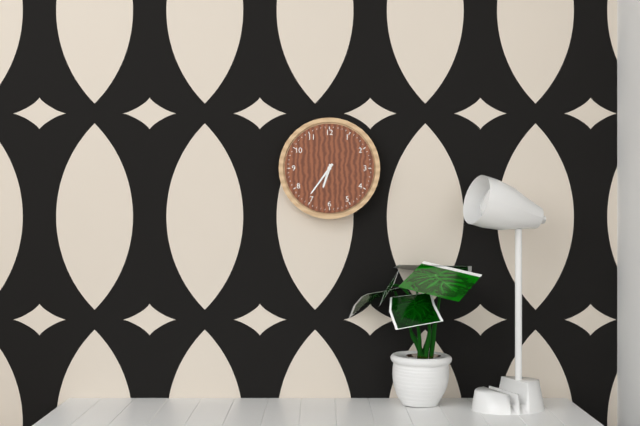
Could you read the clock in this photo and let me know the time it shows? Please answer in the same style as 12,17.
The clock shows 6,36
